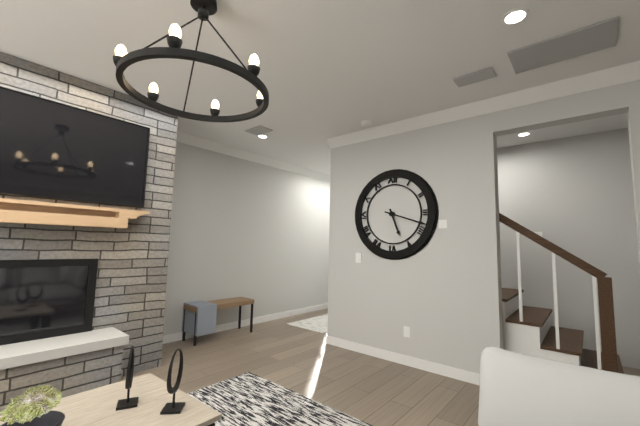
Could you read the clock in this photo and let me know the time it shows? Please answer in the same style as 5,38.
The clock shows 5,18
